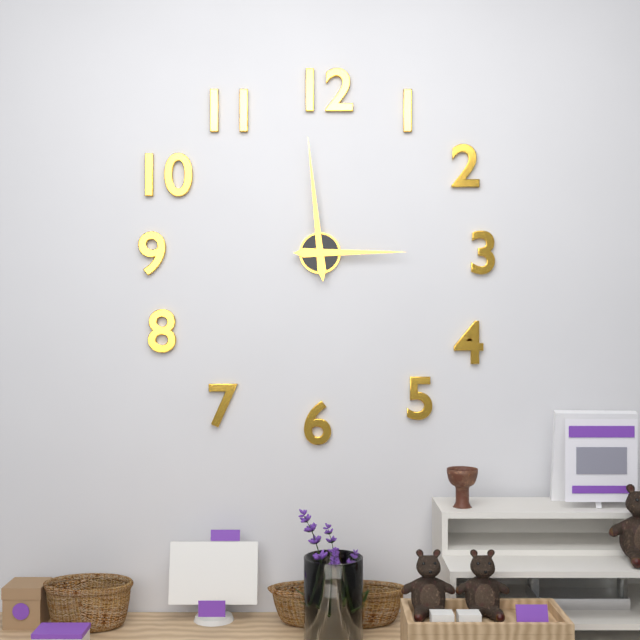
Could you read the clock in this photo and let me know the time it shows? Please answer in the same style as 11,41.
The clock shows 2,59
